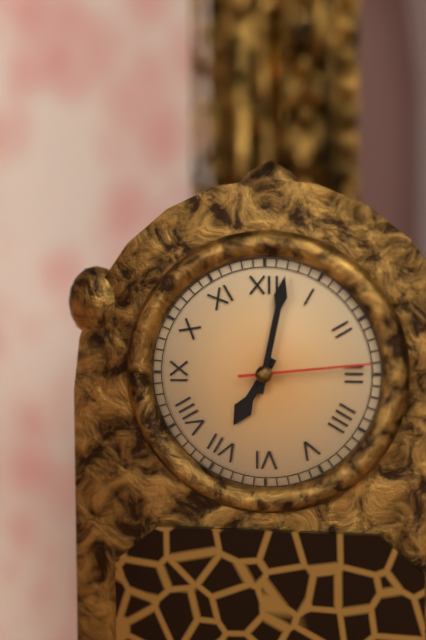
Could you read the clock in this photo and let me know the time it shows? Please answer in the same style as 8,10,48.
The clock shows 7,02,14
